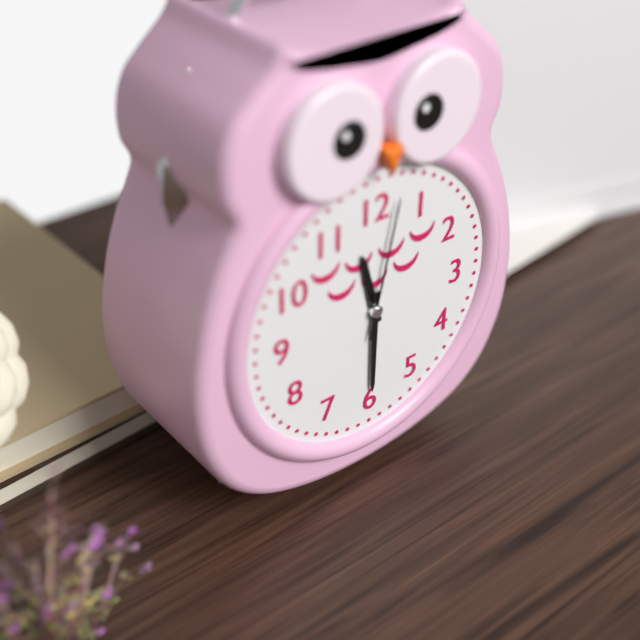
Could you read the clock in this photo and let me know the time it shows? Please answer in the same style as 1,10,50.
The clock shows 11,30,02
